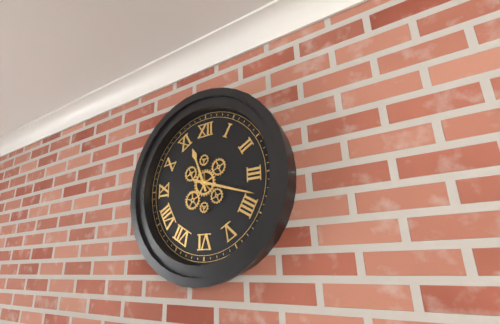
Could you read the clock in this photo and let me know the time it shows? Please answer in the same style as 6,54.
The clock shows 11,18
